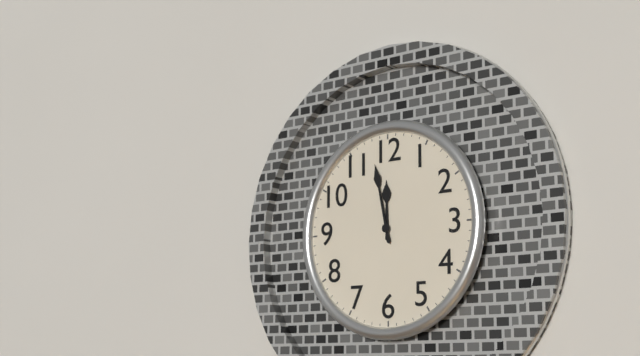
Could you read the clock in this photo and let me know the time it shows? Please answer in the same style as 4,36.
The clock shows 11,58
